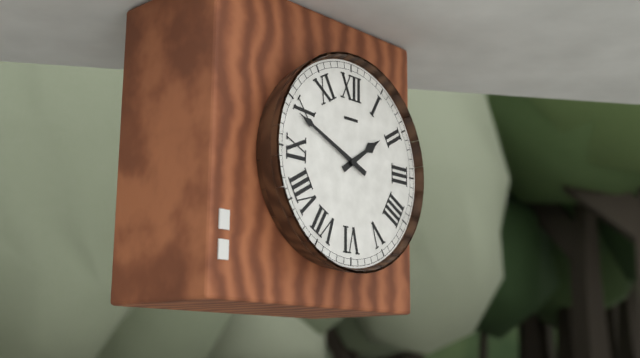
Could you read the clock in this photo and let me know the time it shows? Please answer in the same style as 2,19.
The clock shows 1,49
